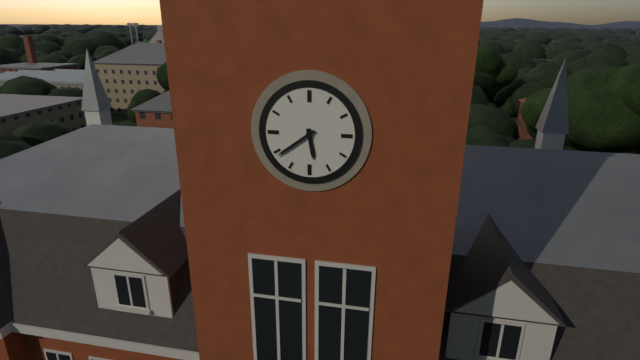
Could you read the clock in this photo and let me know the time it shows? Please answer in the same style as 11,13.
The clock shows 5,39
